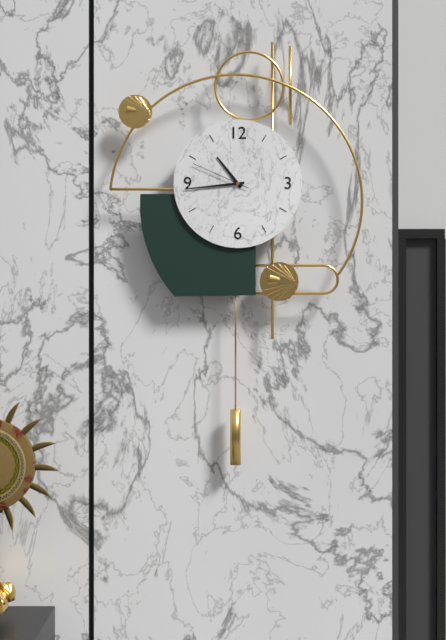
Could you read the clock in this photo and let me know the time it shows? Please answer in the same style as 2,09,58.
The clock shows 10,44,49
